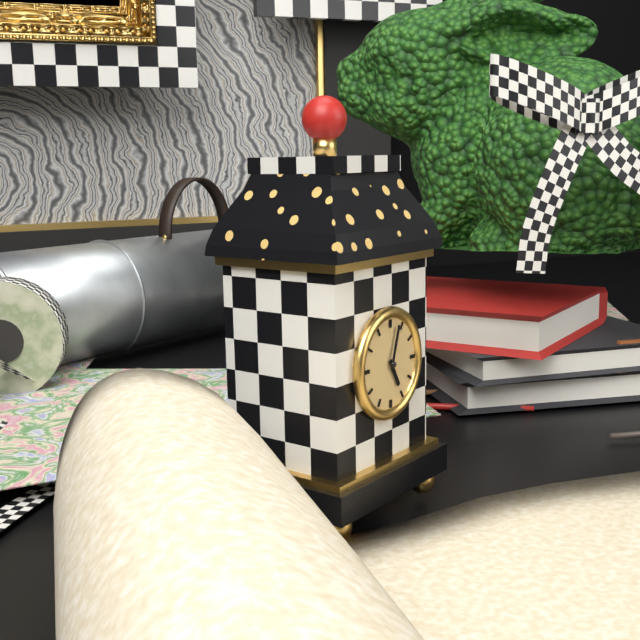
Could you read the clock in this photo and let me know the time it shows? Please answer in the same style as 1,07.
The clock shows 5,03
